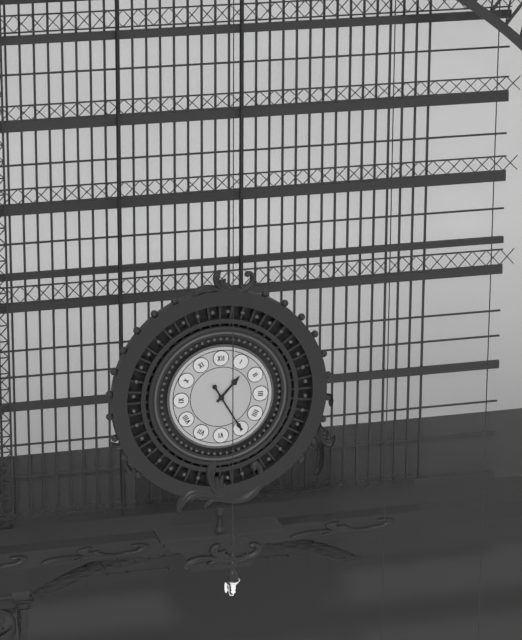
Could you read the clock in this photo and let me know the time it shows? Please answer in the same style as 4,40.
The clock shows 1,25
